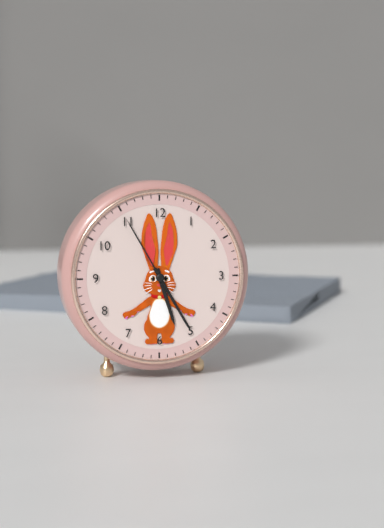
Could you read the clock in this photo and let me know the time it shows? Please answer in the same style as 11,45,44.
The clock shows 5,25,55
